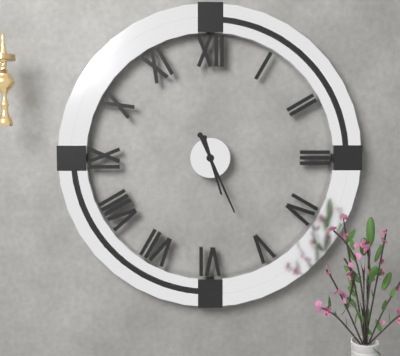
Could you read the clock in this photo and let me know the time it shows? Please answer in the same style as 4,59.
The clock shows 5,26
